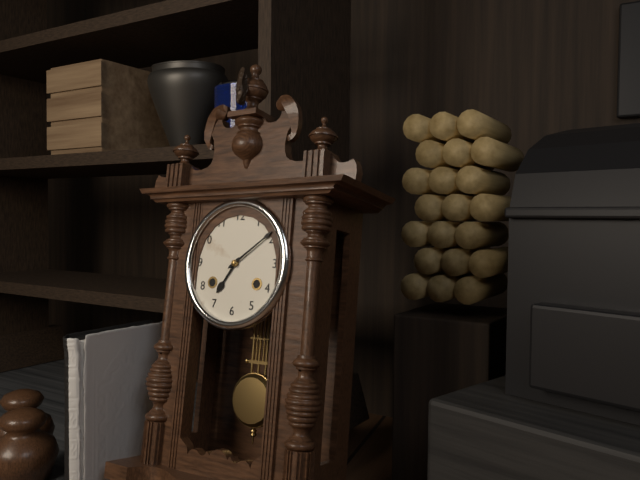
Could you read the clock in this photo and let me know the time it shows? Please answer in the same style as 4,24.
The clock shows 7,09
